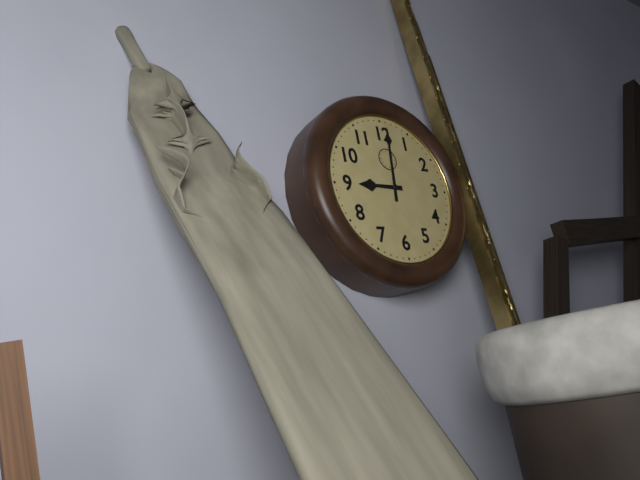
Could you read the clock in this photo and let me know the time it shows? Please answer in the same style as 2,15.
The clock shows 9,01
